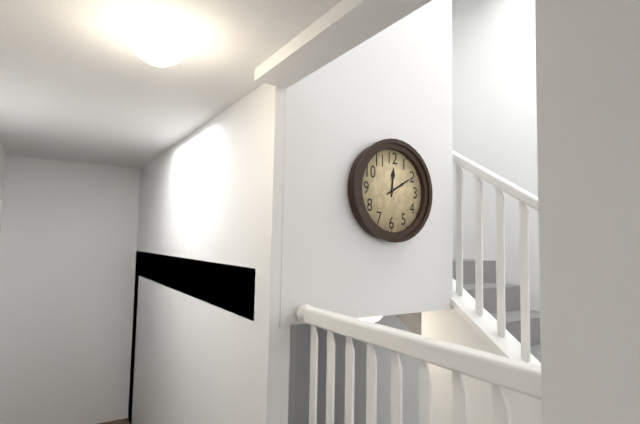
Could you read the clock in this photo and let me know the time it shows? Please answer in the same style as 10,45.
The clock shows 12,10
